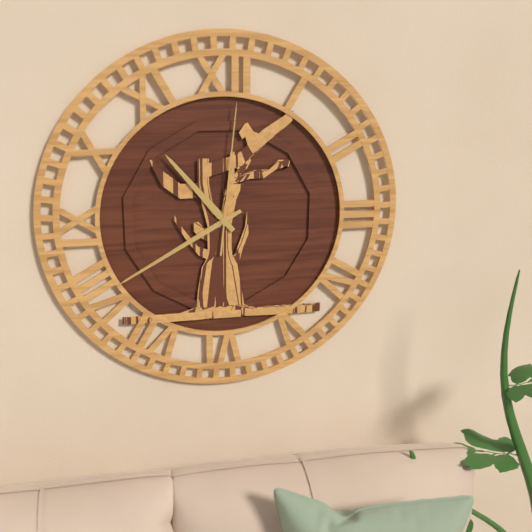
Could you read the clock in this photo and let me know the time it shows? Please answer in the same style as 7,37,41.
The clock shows 10,40,01
